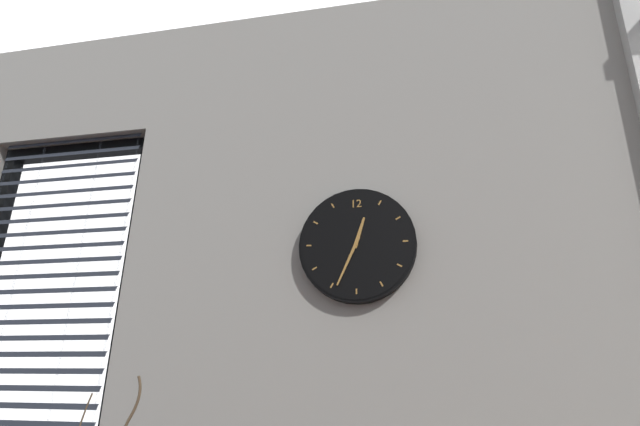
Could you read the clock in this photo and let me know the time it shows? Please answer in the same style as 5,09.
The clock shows 12,34
